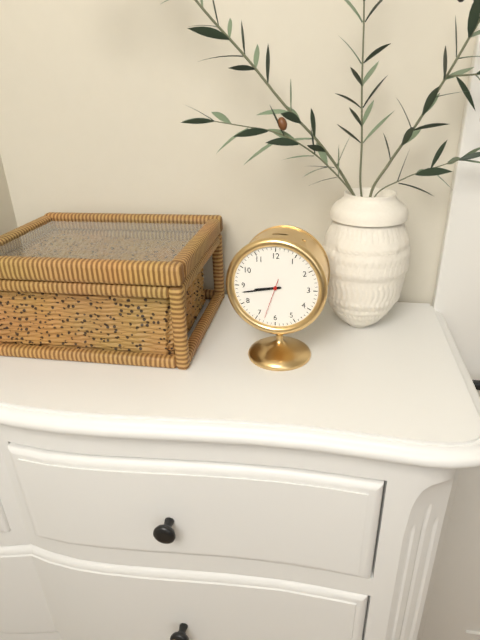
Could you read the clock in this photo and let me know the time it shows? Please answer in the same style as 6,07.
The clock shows 8,43
